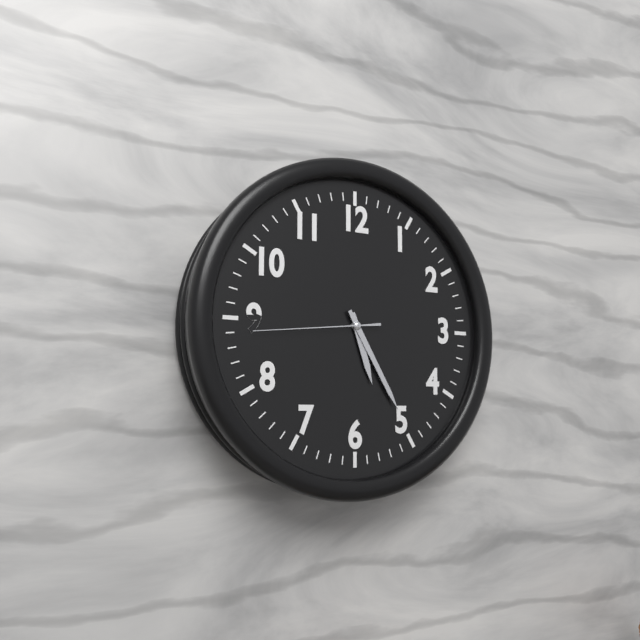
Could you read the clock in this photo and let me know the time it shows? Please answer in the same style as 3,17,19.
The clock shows 5,25,44
